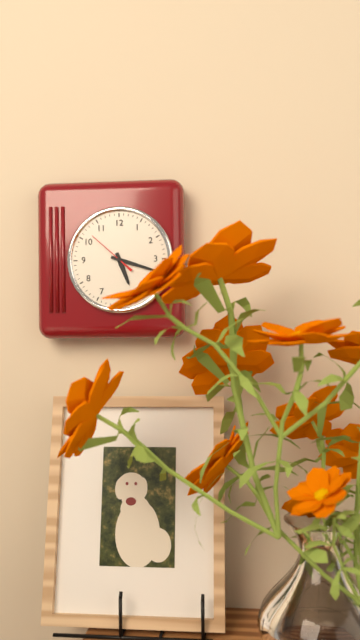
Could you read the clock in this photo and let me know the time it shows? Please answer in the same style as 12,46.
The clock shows 5,18
